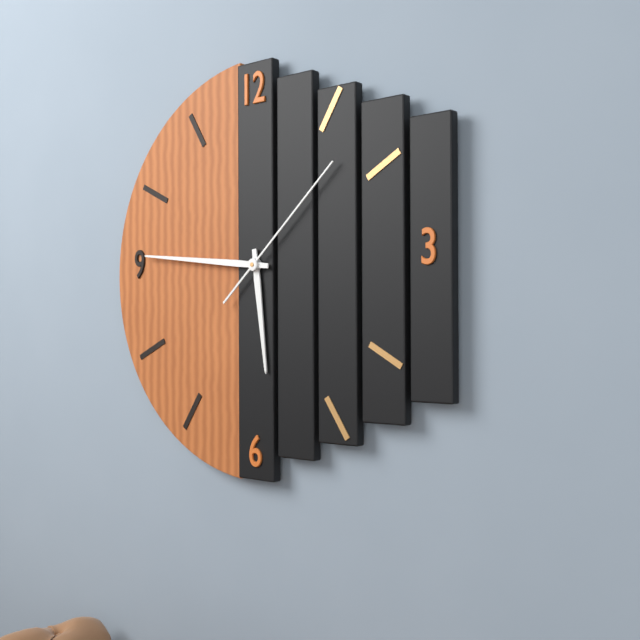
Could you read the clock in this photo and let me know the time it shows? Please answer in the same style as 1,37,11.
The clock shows 5,46,08
